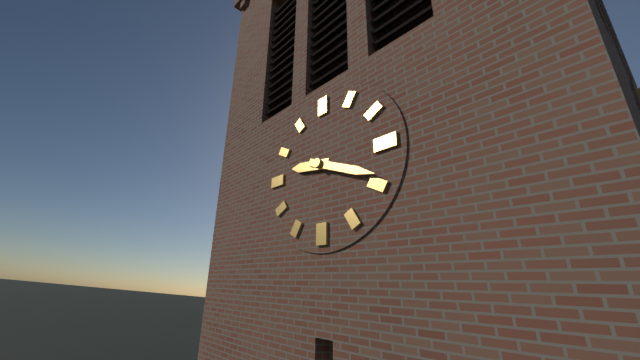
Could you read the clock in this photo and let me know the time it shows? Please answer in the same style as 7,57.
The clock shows 9,19
